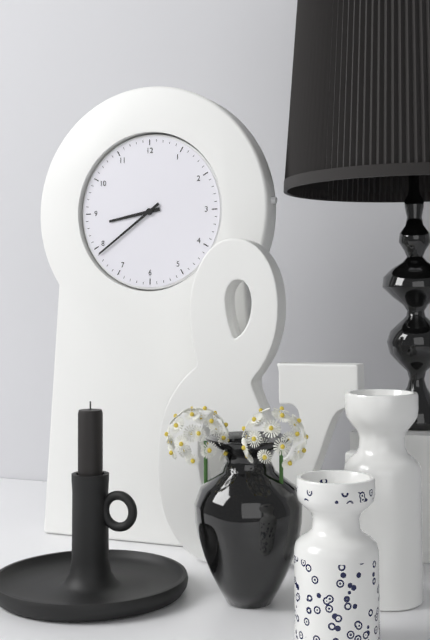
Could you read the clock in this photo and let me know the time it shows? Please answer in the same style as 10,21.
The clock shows 8,39
